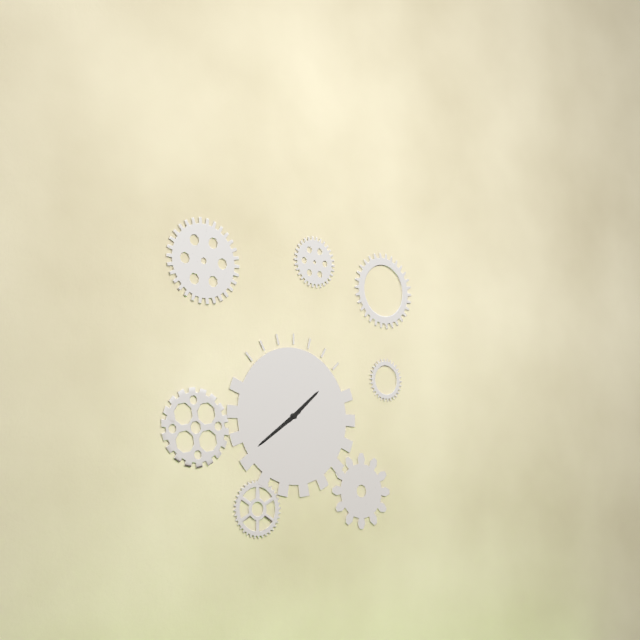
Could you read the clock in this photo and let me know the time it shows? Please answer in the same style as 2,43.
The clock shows 1,39
